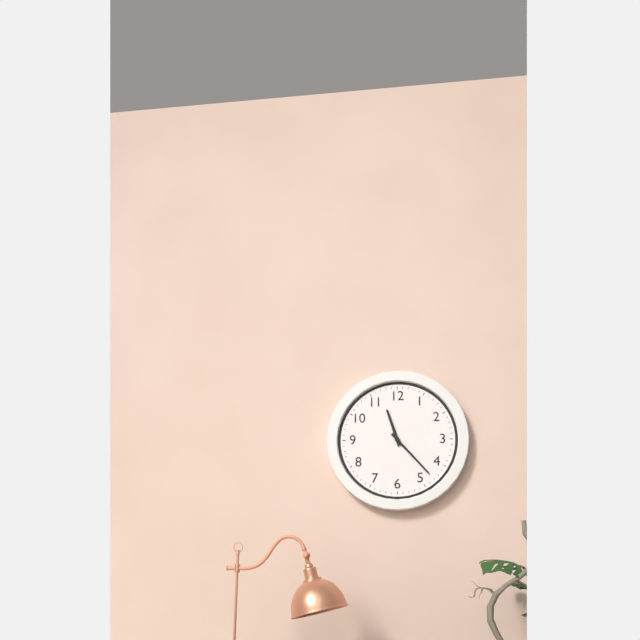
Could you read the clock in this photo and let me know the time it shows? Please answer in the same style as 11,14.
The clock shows 11,23
